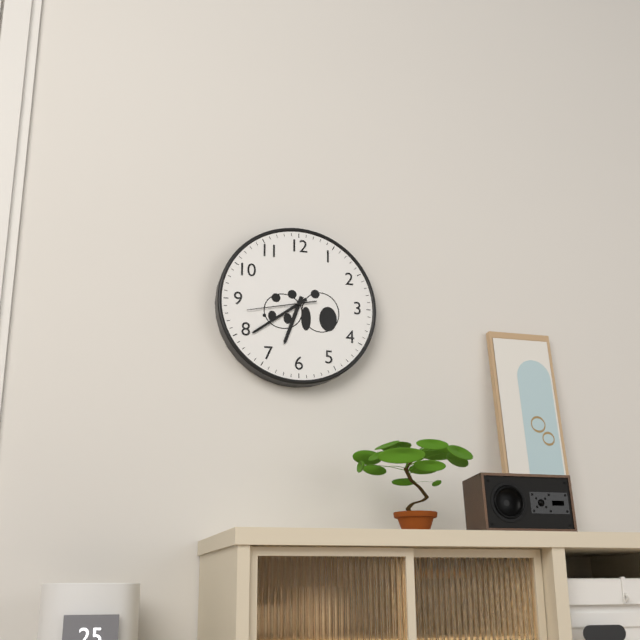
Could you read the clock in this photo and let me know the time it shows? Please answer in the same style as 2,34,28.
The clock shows 6,39,43
